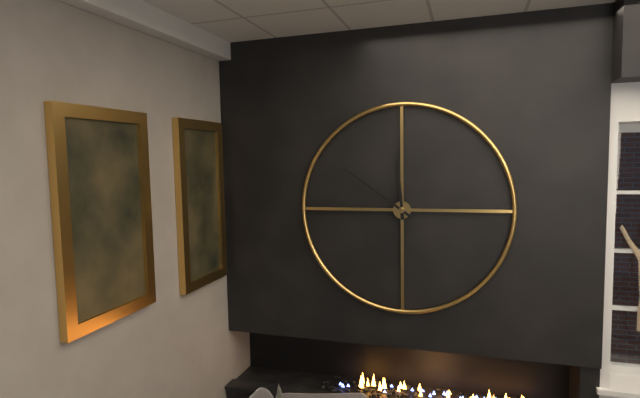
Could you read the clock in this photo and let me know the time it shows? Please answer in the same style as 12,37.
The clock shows 11,51
